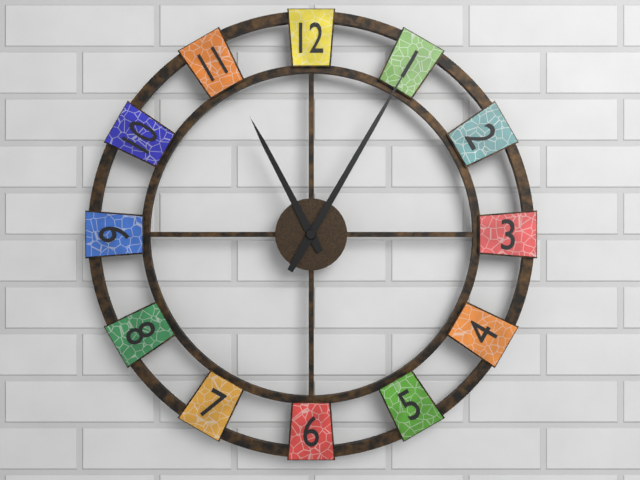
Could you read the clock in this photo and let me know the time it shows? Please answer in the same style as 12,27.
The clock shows 11,05
